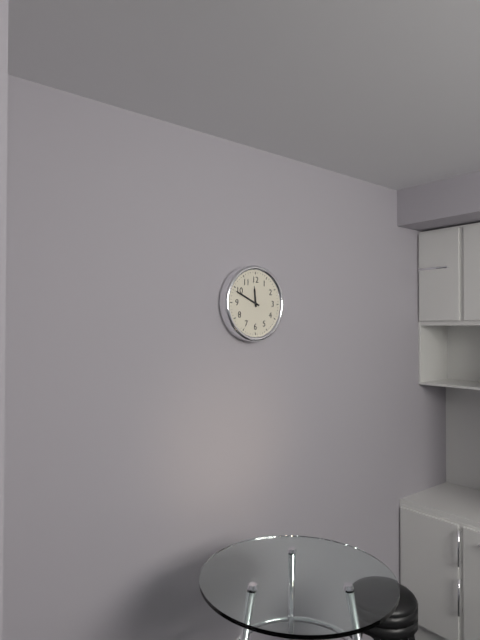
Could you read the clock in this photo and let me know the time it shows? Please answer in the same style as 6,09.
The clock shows 11,49
